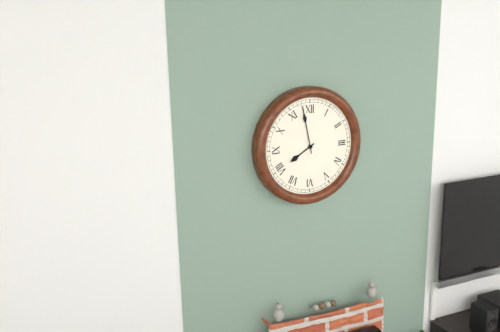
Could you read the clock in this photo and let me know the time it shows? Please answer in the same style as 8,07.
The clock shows 7,58
